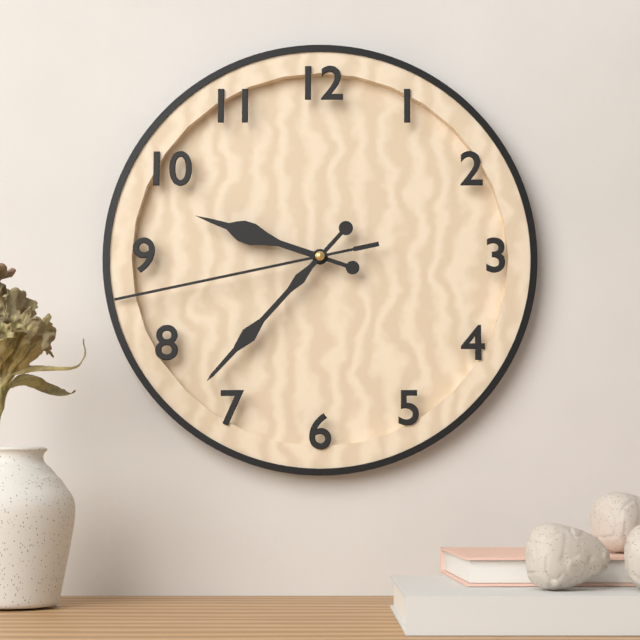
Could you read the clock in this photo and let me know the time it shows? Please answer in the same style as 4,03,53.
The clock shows 9,37,43
